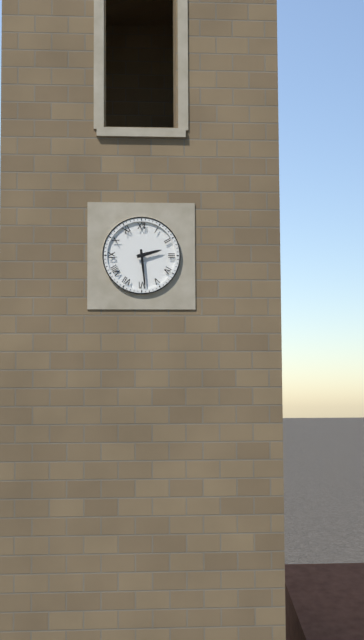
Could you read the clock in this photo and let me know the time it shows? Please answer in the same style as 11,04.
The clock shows 2,29
